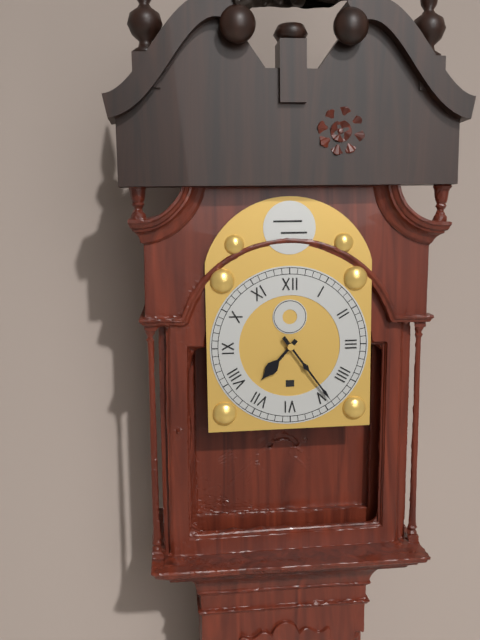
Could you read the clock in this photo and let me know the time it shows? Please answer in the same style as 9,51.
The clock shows 7,24
